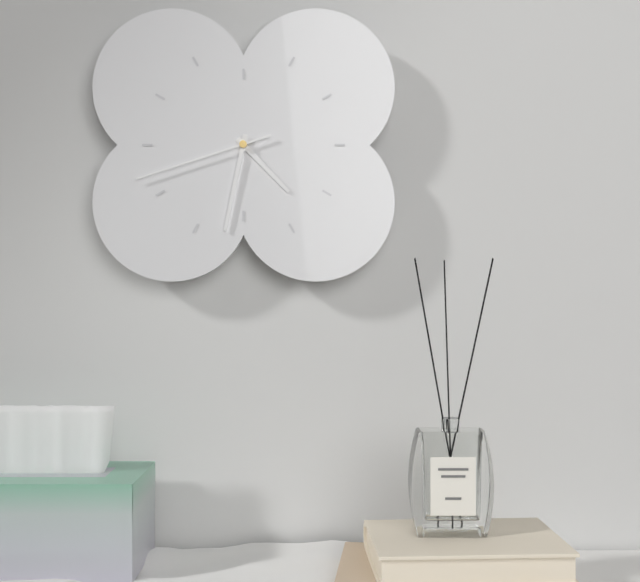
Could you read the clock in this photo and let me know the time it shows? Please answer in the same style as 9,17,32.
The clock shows 4,32,42
